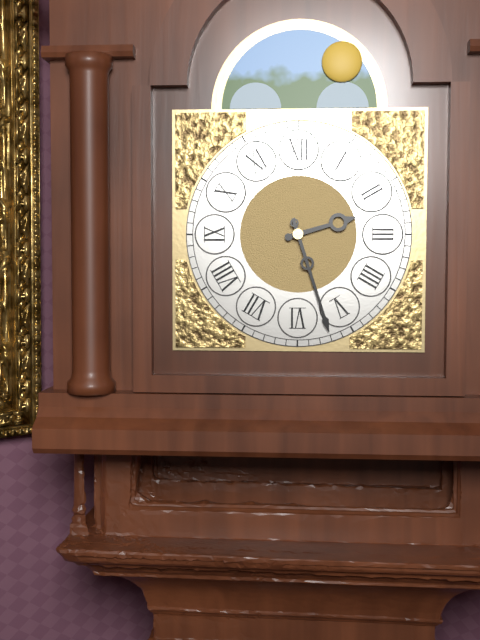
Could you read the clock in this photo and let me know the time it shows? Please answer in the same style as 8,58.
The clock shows 2,27
